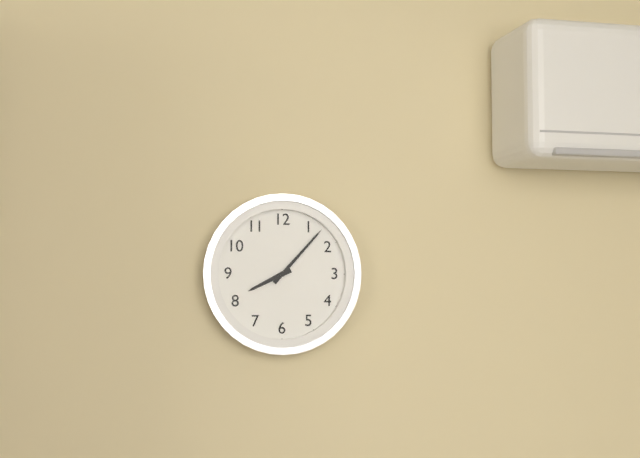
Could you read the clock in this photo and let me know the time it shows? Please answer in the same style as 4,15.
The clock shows 8,07
